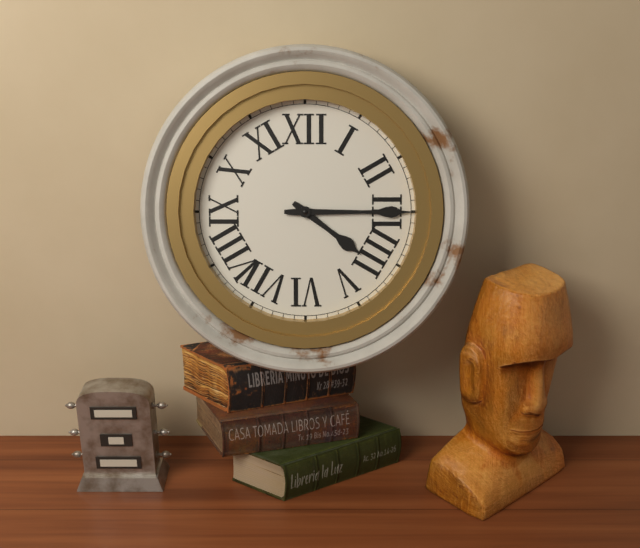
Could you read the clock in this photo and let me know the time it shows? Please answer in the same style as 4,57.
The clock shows 4,15
